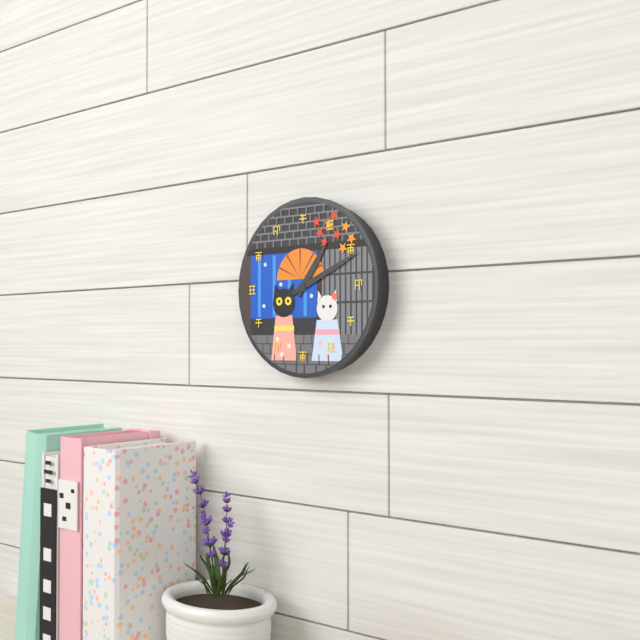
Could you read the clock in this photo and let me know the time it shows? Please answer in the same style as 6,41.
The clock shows 1,11
